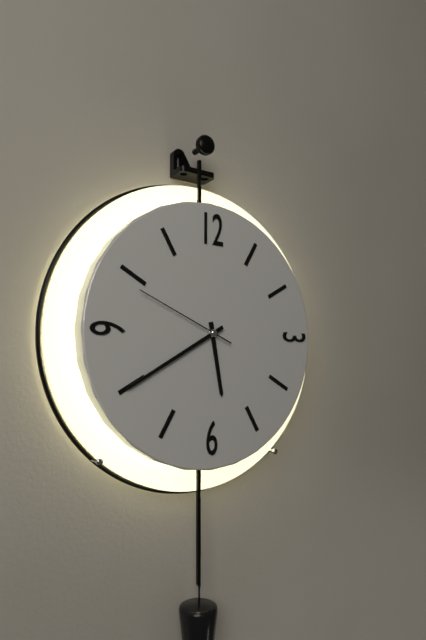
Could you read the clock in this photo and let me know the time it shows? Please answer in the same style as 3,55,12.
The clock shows 5,40,49
